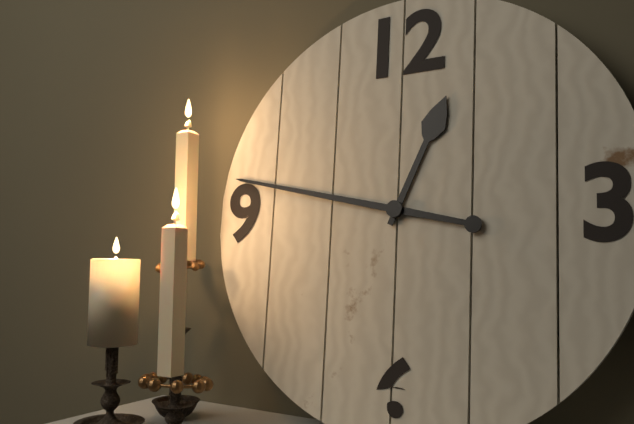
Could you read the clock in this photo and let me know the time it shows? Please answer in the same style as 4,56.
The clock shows 12,47
